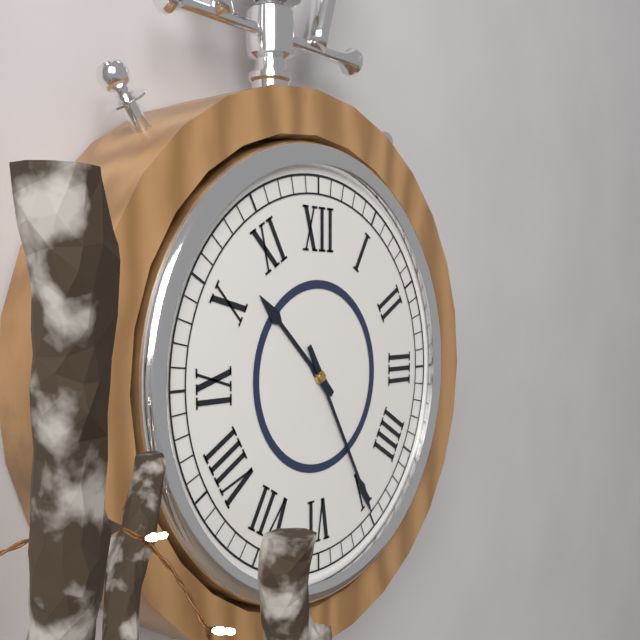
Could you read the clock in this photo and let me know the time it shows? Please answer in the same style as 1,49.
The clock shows 10,25
